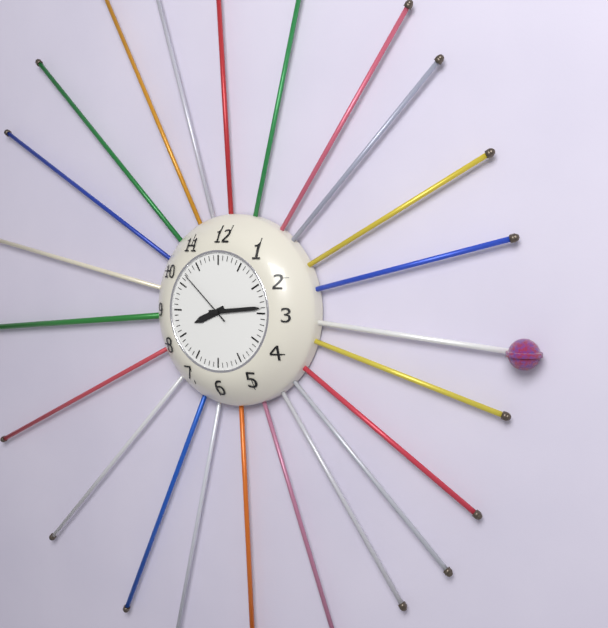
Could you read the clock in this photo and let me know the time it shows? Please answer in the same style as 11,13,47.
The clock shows 8,14,52
